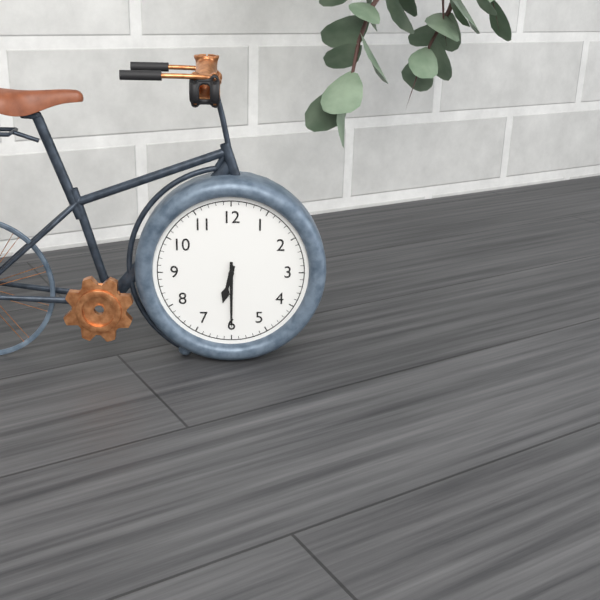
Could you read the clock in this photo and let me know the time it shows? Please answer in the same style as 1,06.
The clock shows 6,30
